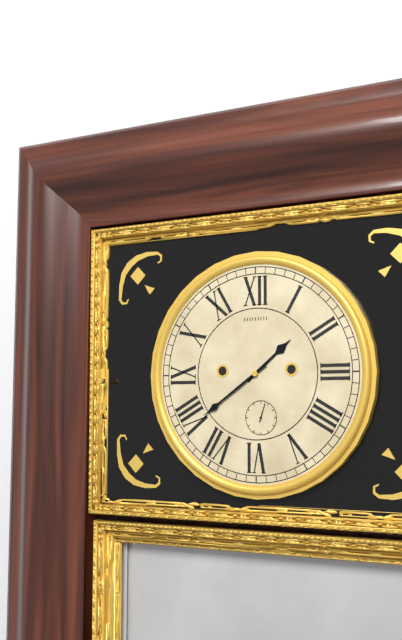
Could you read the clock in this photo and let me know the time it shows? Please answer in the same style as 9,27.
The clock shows 1,39
